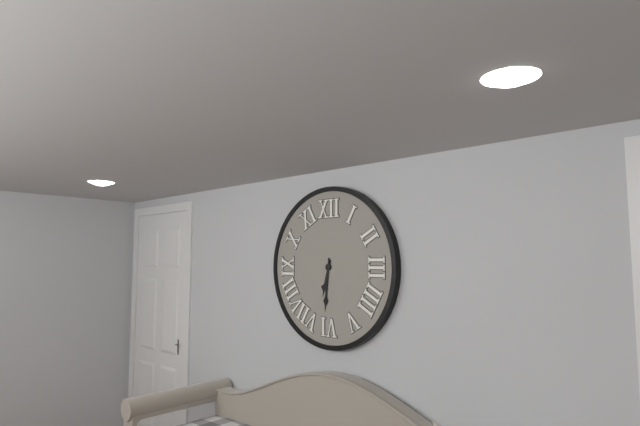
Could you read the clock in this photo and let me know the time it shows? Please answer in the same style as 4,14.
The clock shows 6,31
